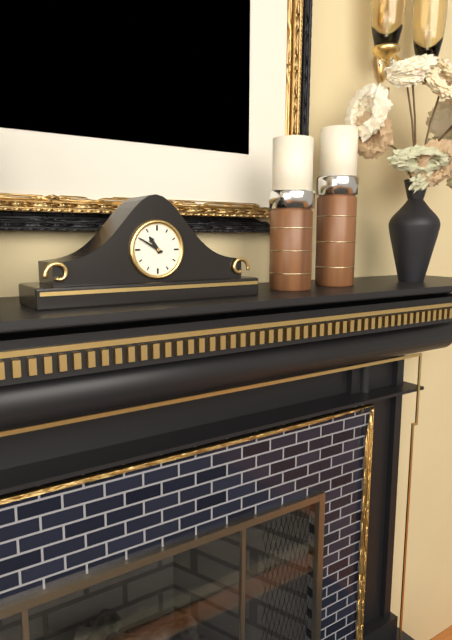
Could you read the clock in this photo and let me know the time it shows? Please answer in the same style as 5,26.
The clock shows 10,50
